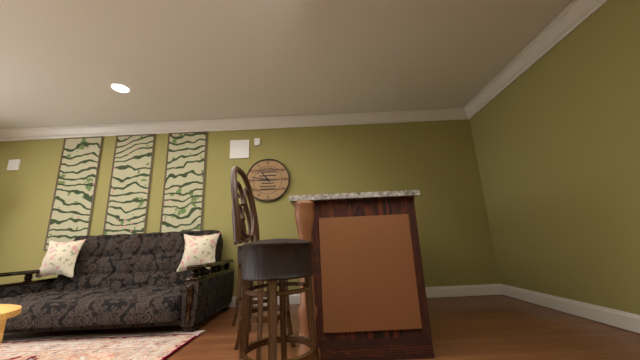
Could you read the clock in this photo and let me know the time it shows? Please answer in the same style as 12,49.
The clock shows 10,47
